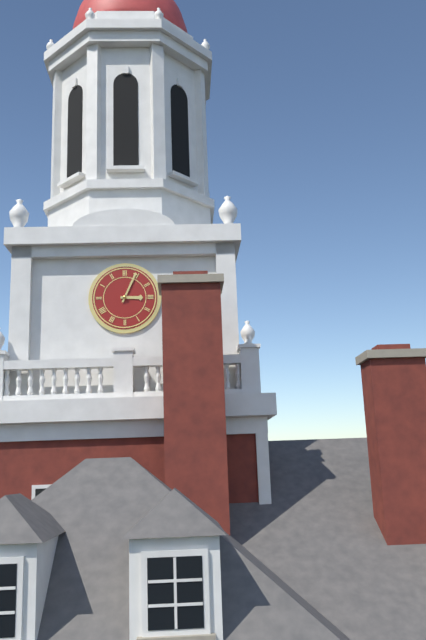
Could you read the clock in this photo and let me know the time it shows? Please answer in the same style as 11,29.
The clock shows 3,04
